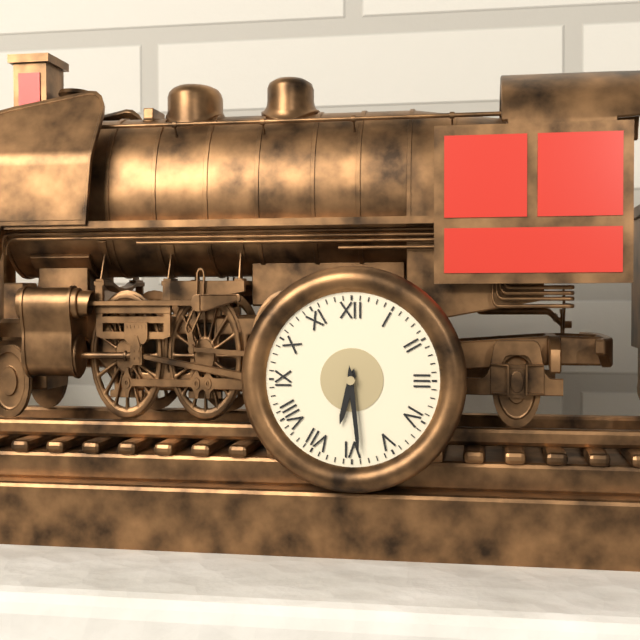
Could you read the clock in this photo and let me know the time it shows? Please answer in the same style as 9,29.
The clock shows 6,29
